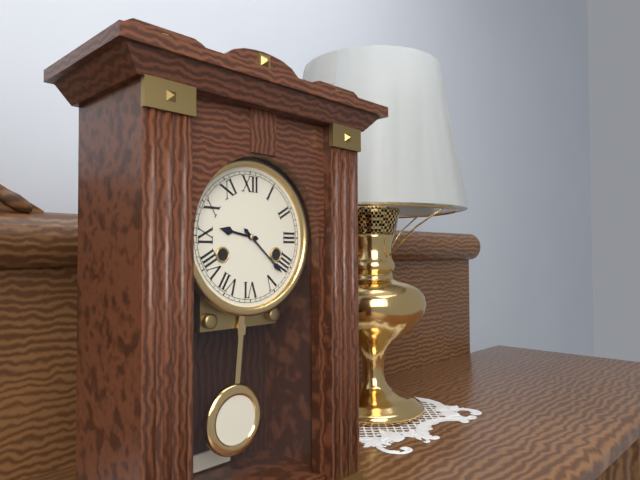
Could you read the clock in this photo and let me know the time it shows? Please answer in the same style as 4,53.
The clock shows 9,22
